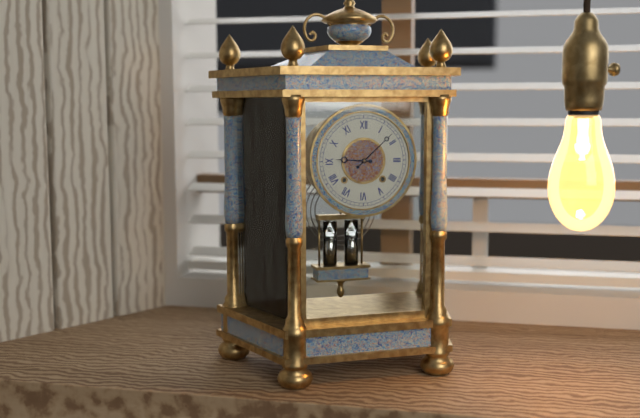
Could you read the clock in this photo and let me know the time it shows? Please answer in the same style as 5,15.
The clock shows 9,08
